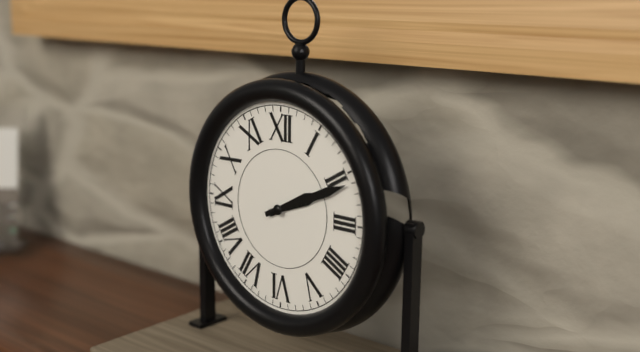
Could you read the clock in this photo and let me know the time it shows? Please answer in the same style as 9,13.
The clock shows 2,11
